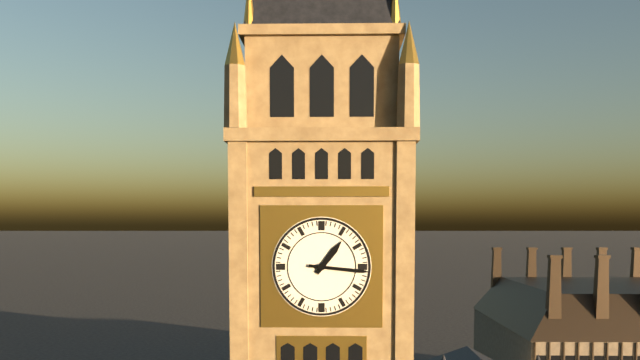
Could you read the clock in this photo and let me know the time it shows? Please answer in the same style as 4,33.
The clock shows 1,16
